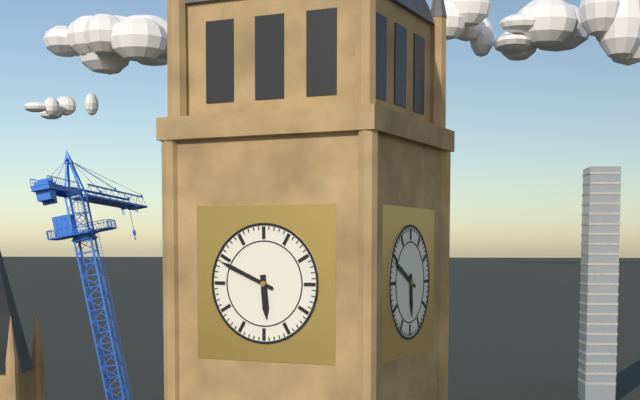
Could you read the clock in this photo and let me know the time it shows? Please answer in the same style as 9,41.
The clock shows 5,49
